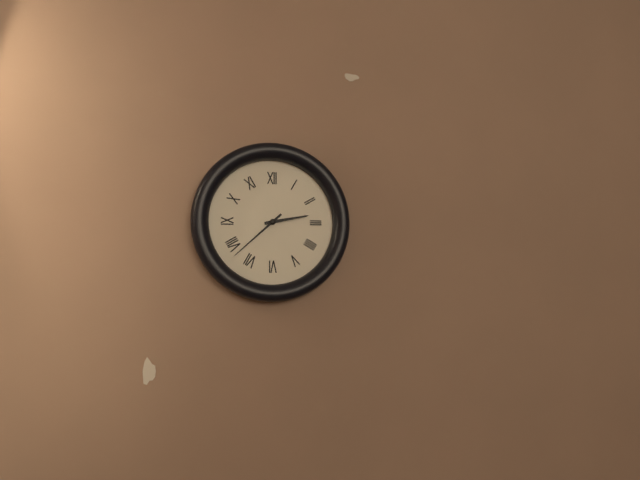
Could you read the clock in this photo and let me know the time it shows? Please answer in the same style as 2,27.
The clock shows 2,38
